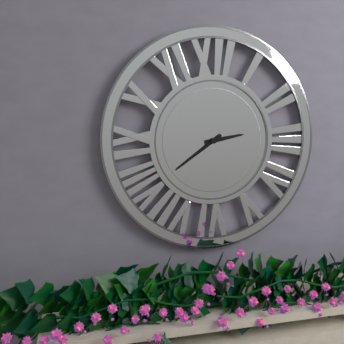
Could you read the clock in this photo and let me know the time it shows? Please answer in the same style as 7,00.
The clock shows 2,39
